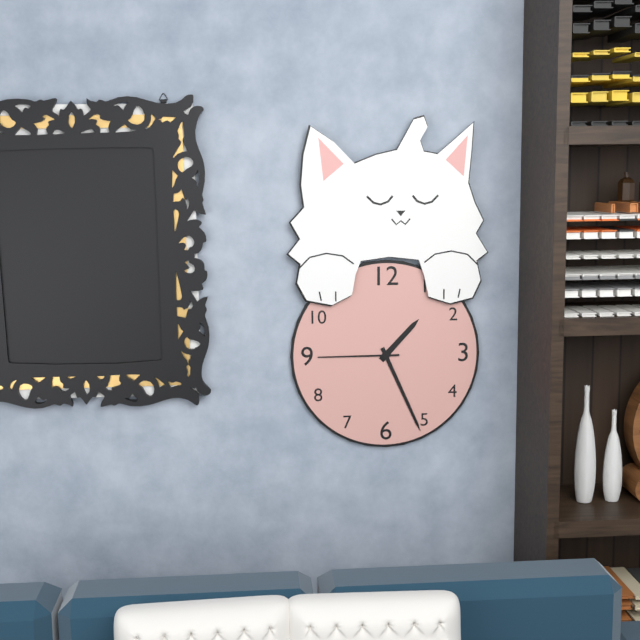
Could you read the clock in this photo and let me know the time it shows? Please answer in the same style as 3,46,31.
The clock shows 1,26,45
